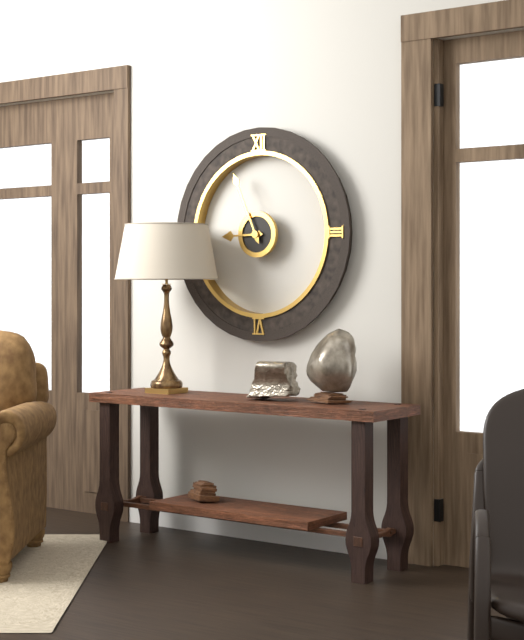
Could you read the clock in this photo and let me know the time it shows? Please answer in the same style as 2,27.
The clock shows 8,56
